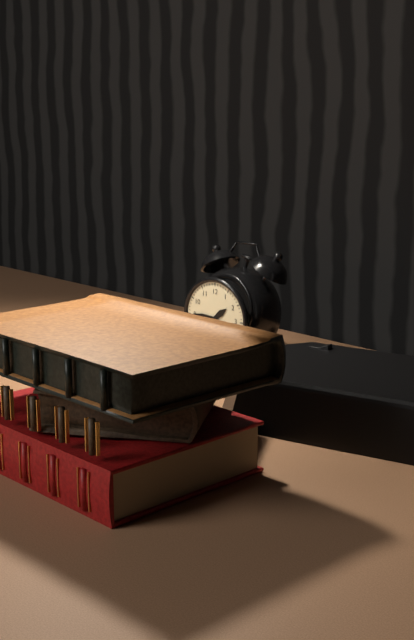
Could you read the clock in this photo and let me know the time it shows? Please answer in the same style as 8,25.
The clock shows 1,45
